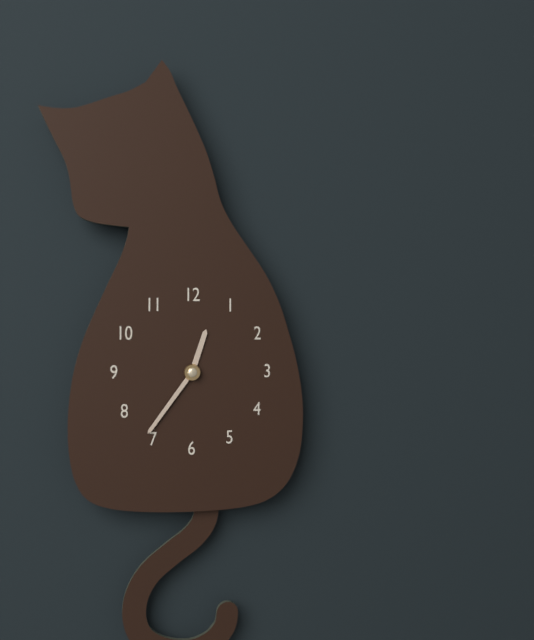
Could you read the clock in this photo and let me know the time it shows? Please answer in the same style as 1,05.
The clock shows 12,36
